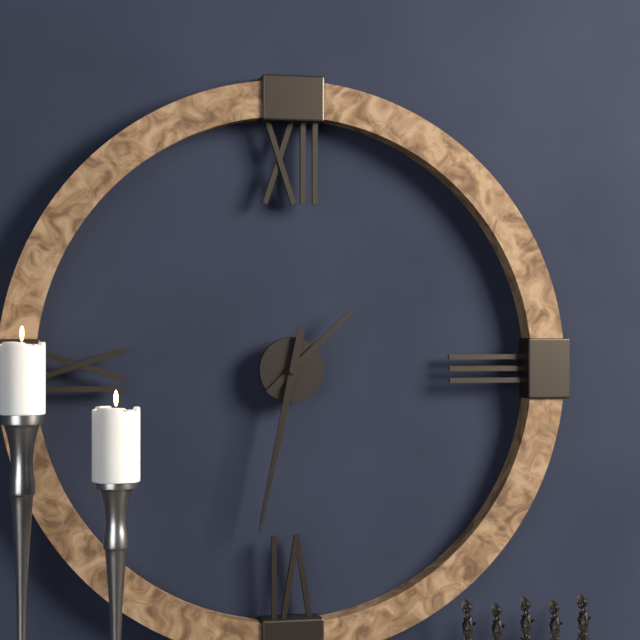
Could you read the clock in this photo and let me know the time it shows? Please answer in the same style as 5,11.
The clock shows 1,32
